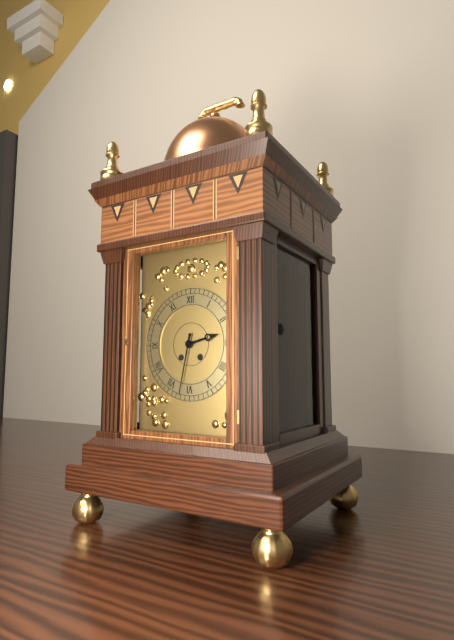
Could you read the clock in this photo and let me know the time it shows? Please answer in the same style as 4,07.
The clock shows 2,32
